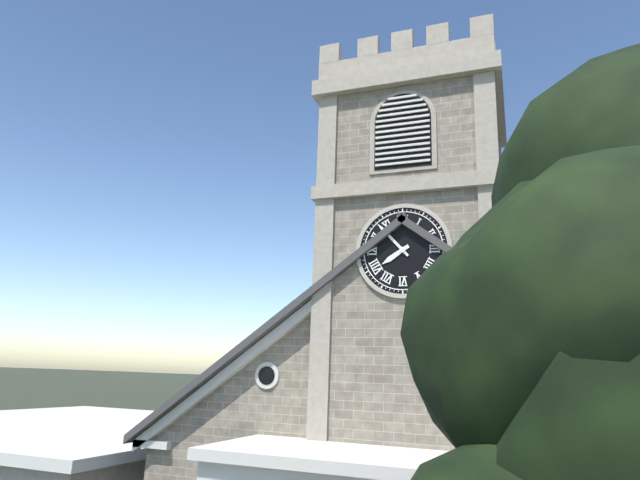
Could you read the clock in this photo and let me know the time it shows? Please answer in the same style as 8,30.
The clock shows 7,53
